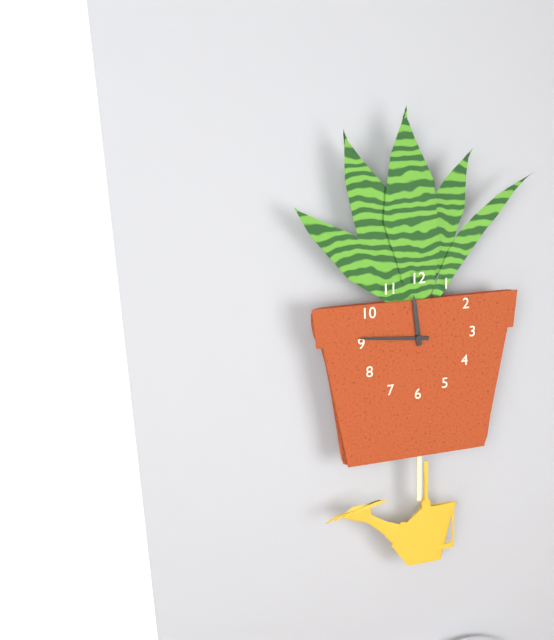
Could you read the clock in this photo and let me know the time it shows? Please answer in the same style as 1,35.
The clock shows 11,46
